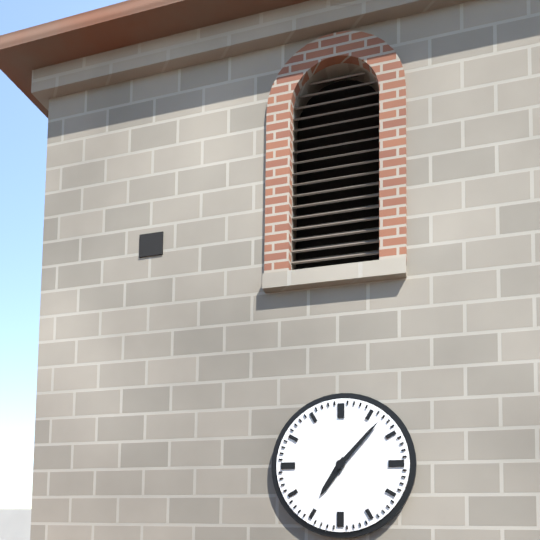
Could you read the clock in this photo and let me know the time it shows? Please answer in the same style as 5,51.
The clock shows 7,07
